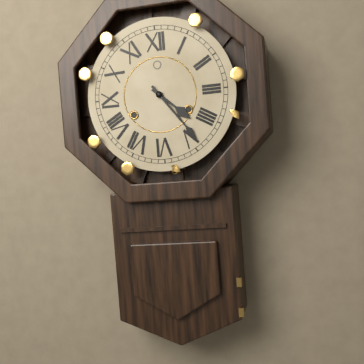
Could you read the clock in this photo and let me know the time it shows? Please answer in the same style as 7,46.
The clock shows 4,24
